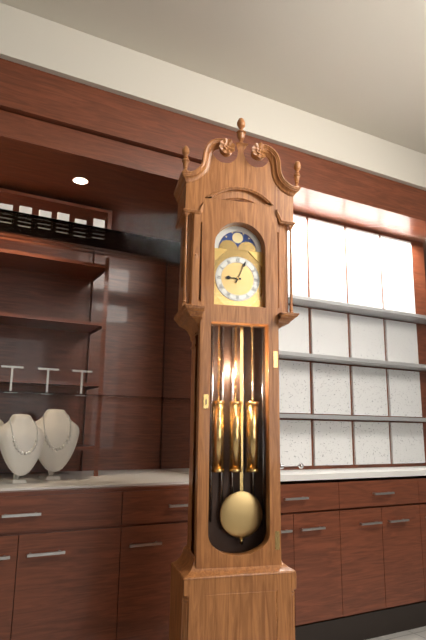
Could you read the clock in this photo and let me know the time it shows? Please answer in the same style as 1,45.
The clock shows 9,04
